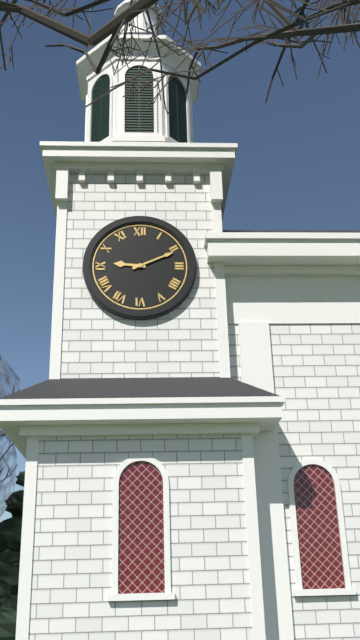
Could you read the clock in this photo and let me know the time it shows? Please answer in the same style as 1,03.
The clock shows 9,11
